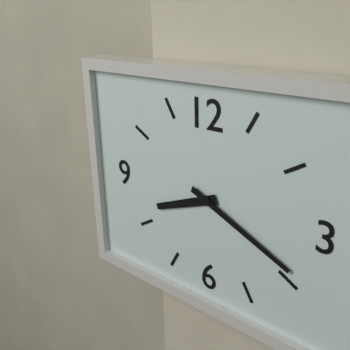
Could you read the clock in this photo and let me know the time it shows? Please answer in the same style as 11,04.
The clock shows 8,19
